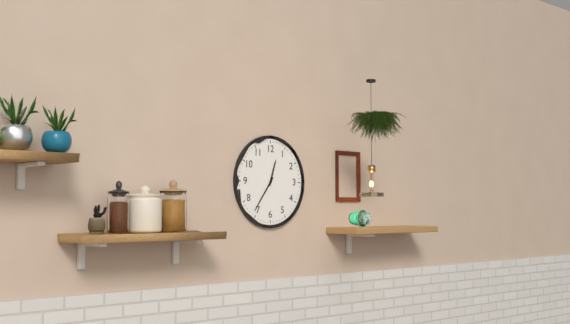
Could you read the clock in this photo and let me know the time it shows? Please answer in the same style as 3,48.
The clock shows 12,36
